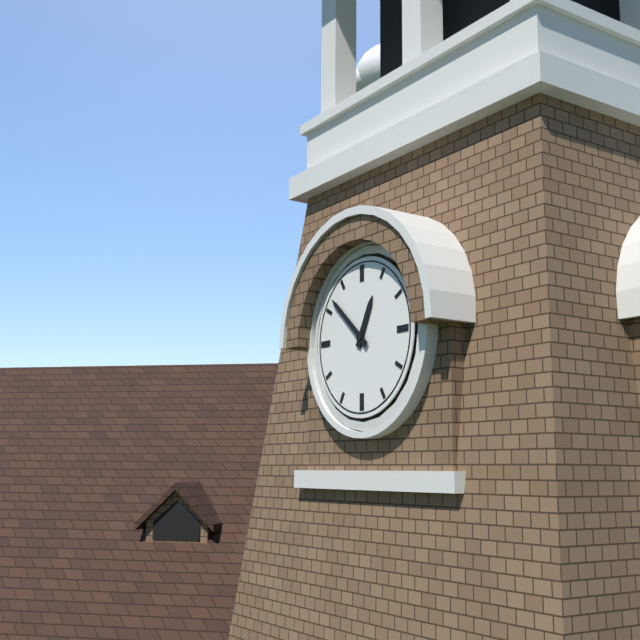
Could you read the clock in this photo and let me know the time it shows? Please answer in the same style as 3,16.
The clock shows 12,52
